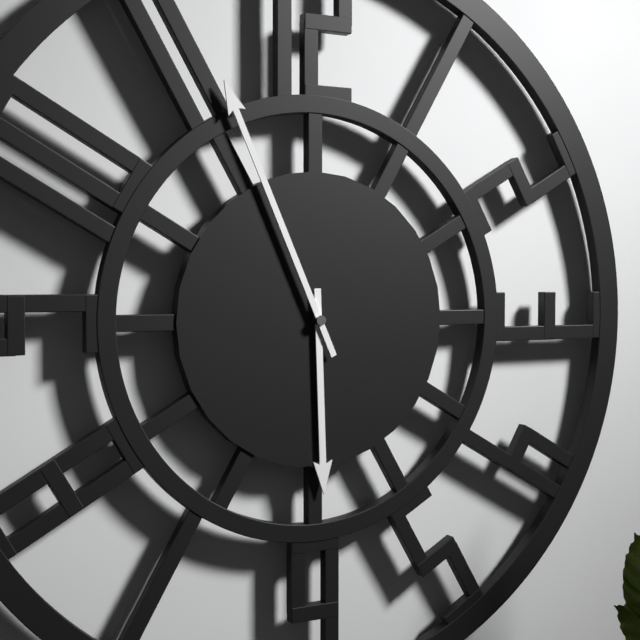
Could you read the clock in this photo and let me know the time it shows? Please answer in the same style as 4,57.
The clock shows 5,56
